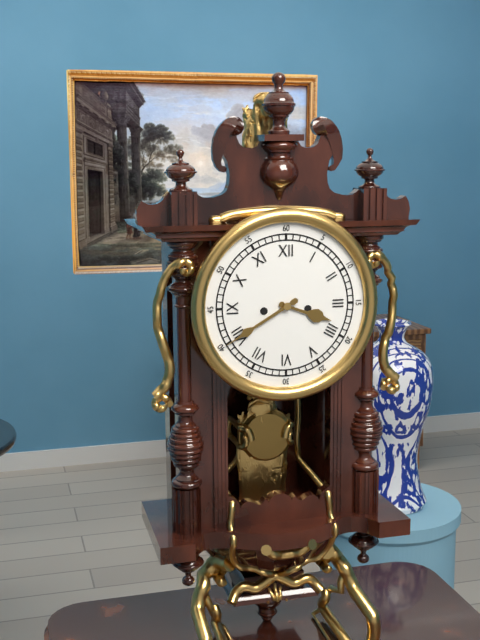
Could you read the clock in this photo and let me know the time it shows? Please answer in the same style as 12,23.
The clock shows 3,40
